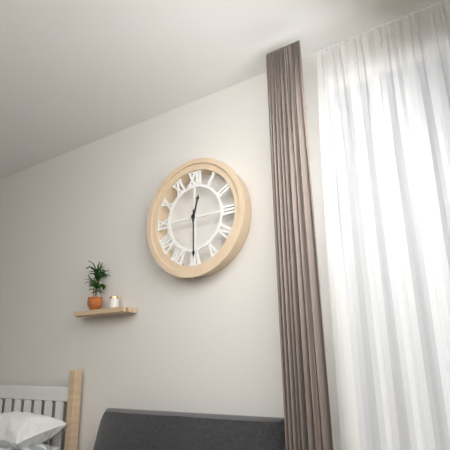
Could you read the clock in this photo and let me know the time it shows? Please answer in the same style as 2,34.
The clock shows 12,30
